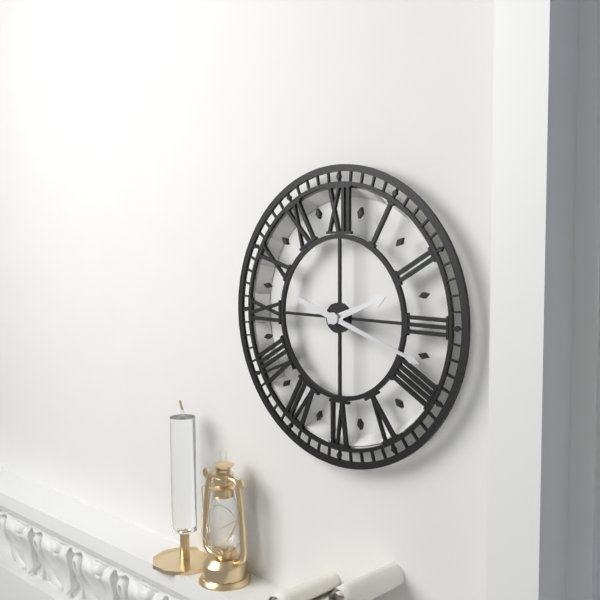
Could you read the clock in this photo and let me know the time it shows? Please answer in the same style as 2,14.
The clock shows 2,18
